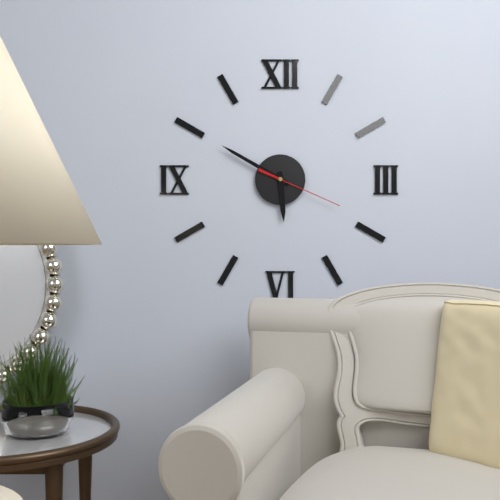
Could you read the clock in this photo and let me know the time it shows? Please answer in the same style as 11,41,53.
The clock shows 5,50,19
